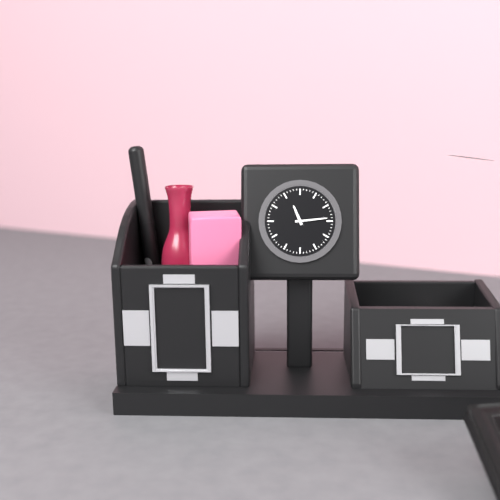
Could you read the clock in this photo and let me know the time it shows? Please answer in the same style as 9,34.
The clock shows 11,14
